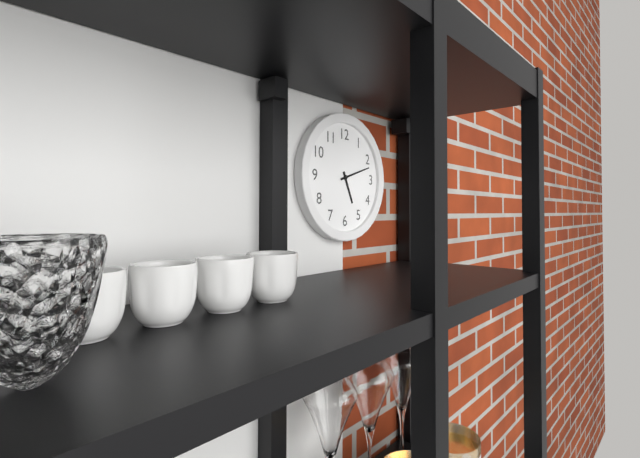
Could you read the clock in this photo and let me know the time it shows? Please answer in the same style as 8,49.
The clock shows 5,12
